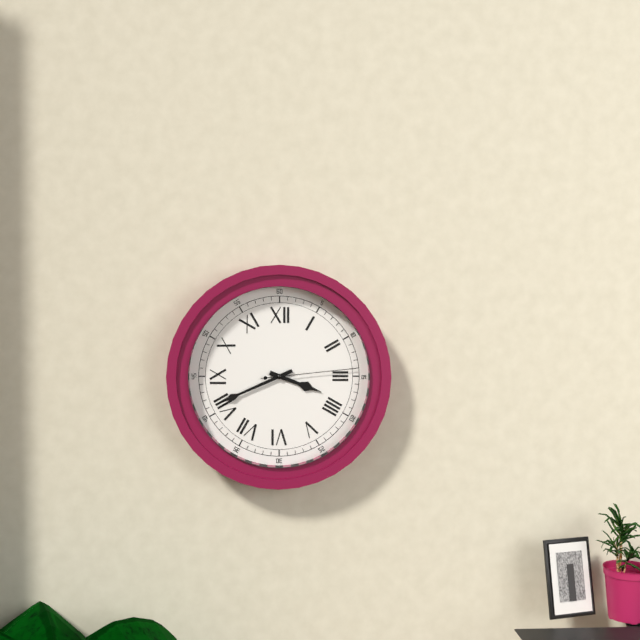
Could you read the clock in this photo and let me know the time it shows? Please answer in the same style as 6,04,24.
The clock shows 3,41,14
